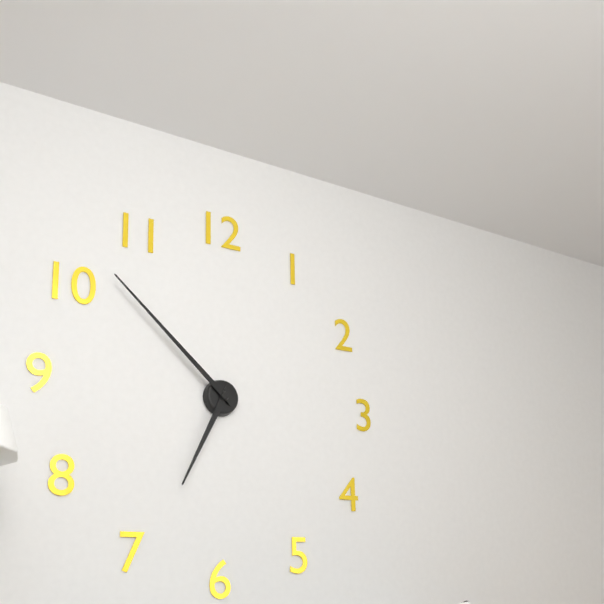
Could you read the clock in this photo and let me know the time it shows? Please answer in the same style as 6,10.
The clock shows 6,52
